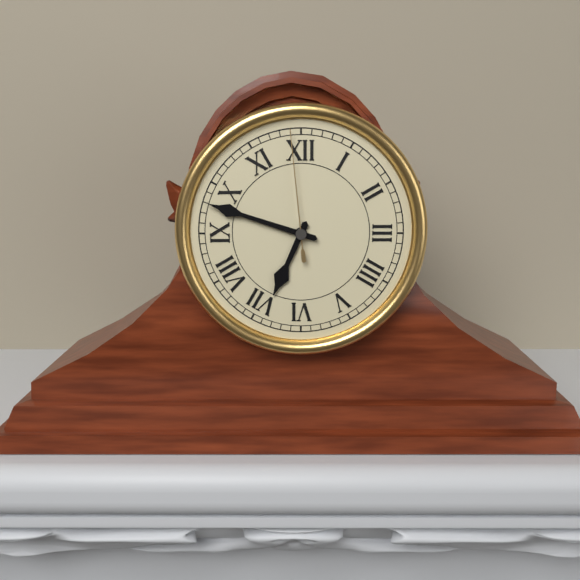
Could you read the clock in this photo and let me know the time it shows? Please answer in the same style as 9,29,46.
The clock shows 6,48,59
